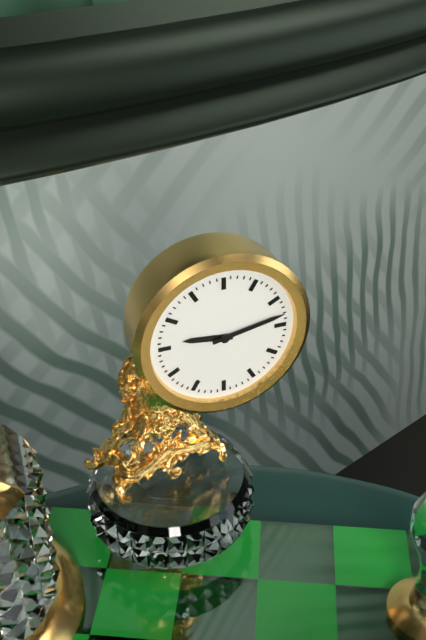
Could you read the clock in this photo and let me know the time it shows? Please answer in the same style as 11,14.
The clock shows 9,13
